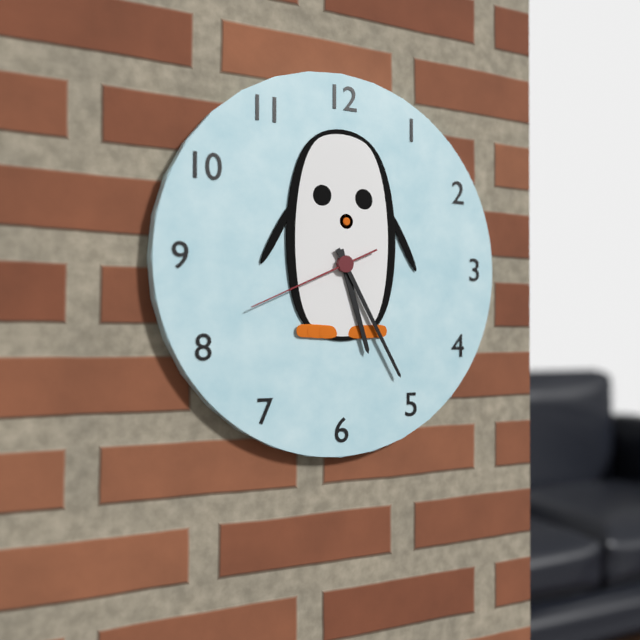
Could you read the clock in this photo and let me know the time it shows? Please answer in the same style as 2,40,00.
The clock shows 5,25,41
